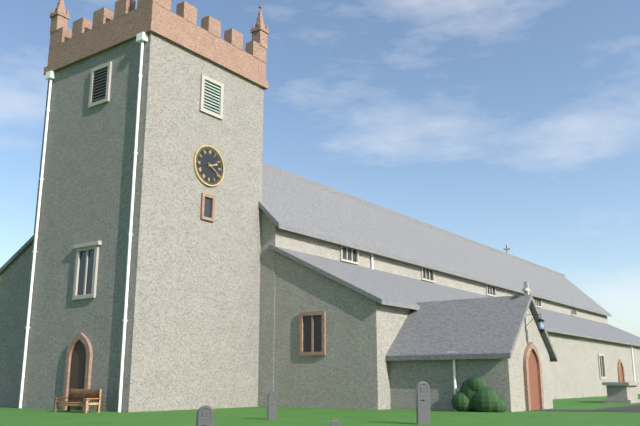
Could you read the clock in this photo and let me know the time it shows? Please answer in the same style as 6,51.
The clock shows 2,20
